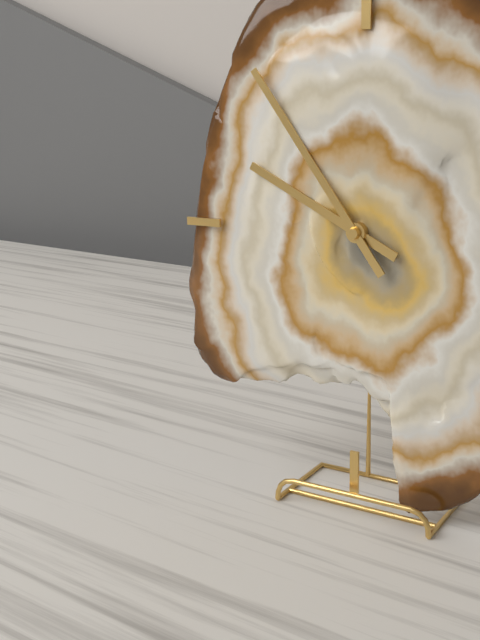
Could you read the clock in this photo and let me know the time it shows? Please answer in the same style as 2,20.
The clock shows 9,54
